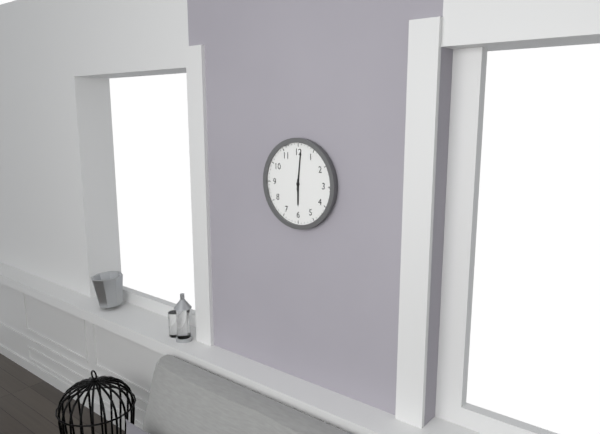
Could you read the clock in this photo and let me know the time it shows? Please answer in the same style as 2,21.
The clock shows 6,01
